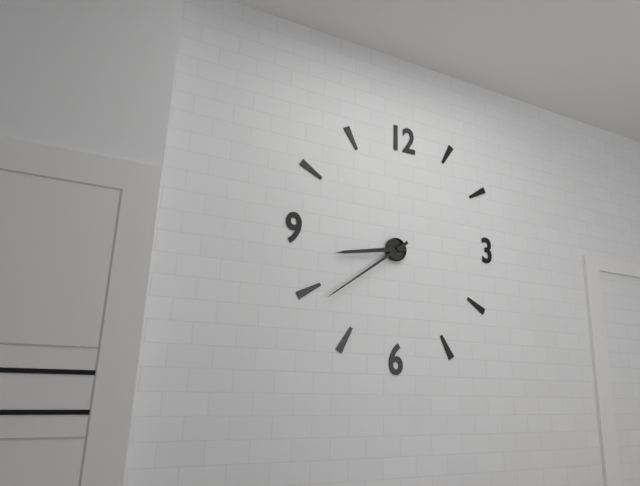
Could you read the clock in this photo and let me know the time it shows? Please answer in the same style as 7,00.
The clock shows 8,39
